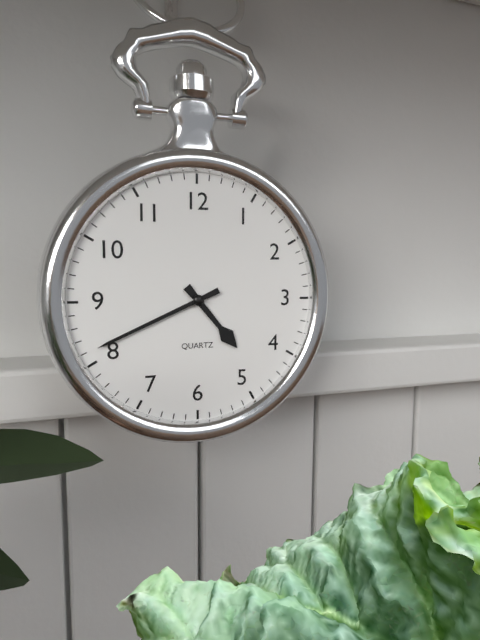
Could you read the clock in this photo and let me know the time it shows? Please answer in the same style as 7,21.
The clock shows 4,41
